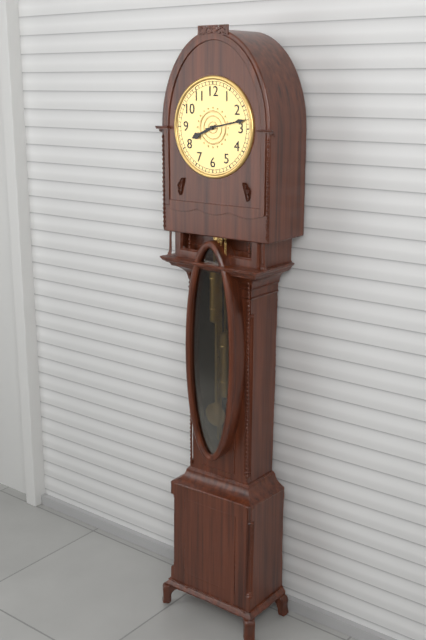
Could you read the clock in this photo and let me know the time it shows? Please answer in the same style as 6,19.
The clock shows 8,13
